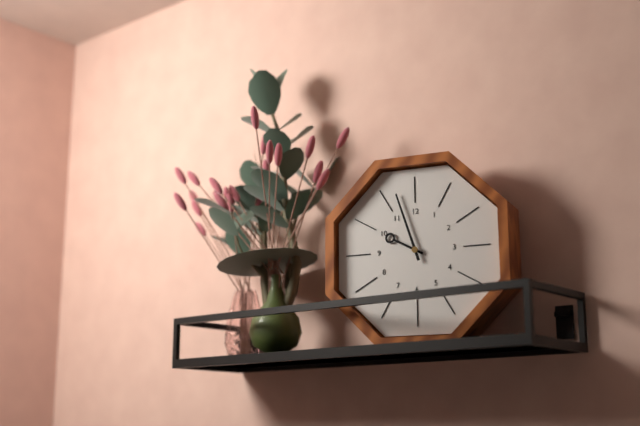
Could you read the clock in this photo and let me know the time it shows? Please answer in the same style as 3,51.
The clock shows 9,57
